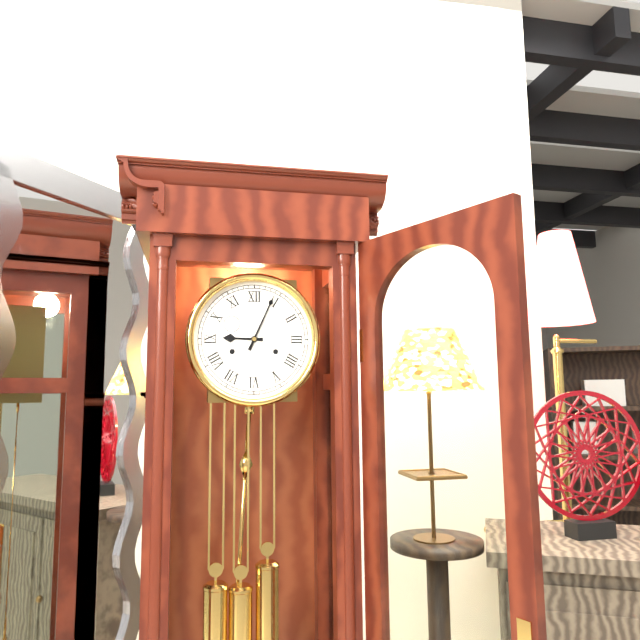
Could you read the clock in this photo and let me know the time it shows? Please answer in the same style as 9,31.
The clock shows 9,04
